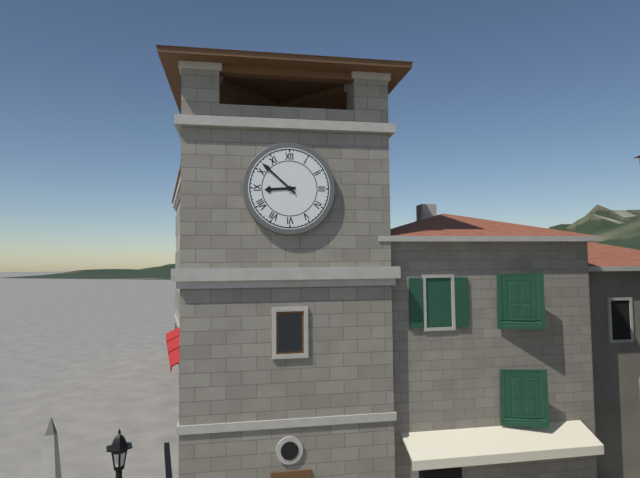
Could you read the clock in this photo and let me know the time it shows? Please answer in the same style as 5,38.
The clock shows 8,52
